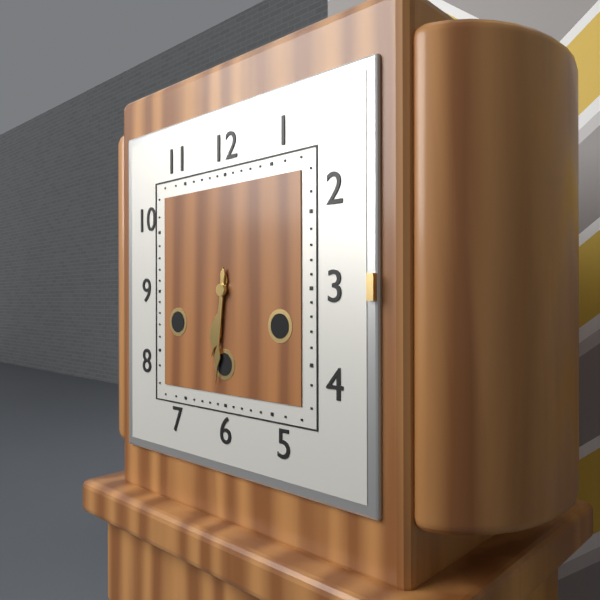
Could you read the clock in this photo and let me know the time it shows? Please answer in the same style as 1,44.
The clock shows 6,31
